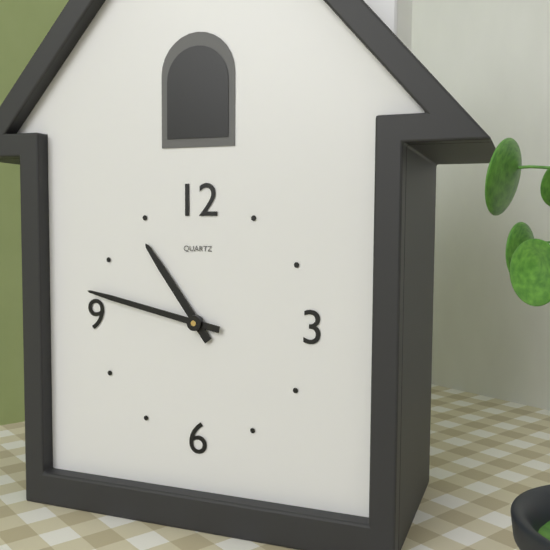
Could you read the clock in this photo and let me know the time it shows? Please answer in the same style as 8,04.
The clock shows 10,47
